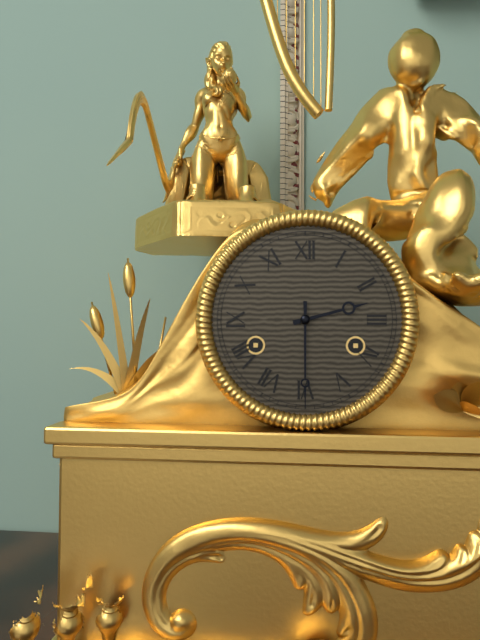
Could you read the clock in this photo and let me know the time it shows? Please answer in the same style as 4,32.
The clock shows 2,30
